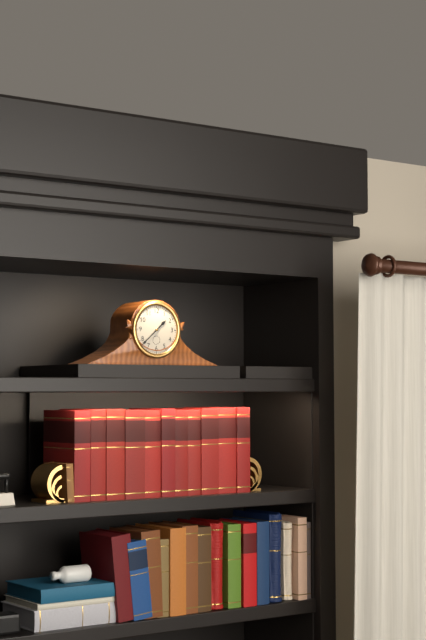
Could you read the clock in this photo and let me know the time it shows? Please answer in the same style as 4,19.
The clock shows 1,38
